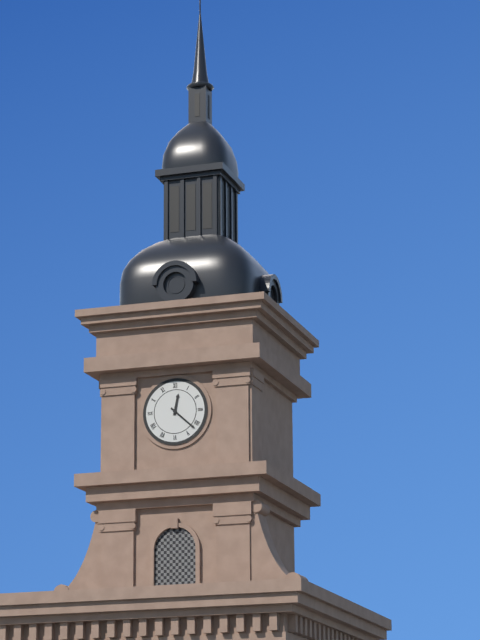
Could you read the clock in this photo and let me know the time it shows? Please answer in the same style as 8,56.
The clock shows 12,22
